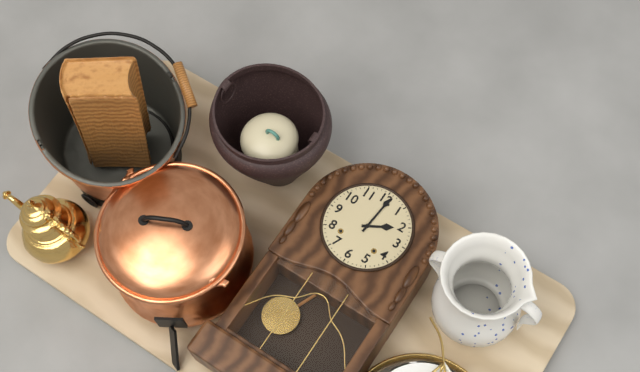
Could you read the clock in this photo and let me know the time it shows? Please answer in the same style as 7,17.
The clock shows 2,01
